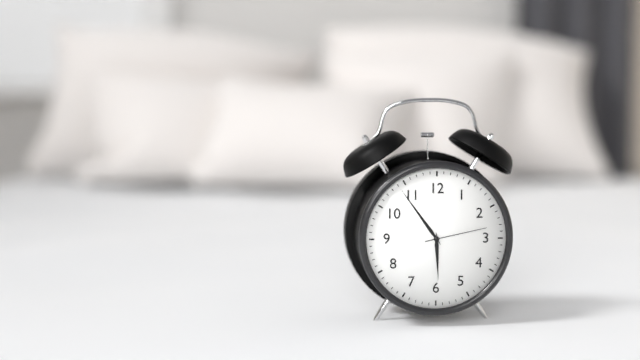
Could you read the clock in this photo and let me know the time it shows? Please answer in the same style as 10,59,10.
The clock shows 5,54,13
